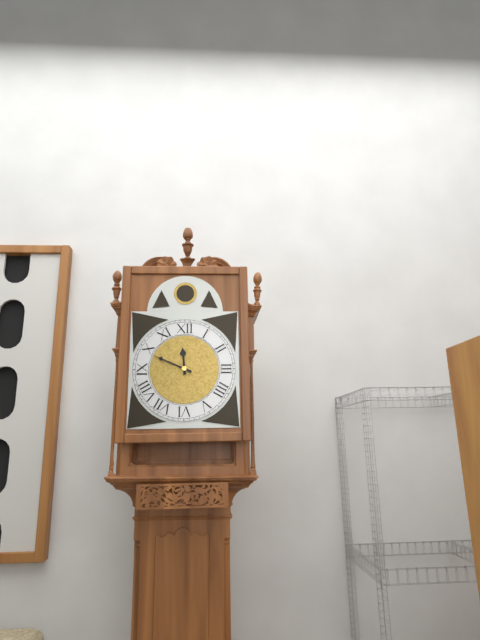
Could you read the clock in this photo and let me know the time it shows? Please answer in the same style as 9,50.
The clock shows 11,49
